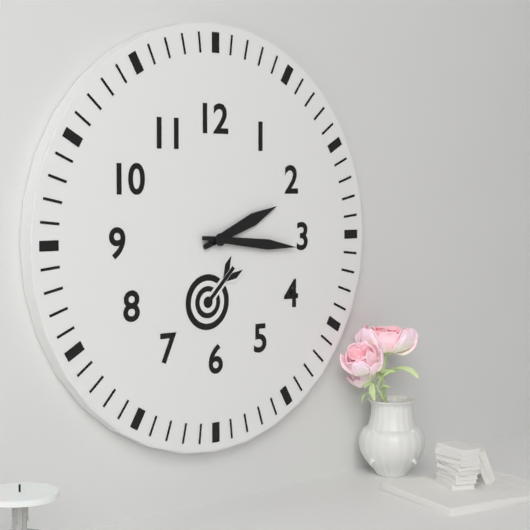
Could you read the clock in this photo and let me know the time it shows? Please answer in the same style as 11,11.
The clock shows 2,16
